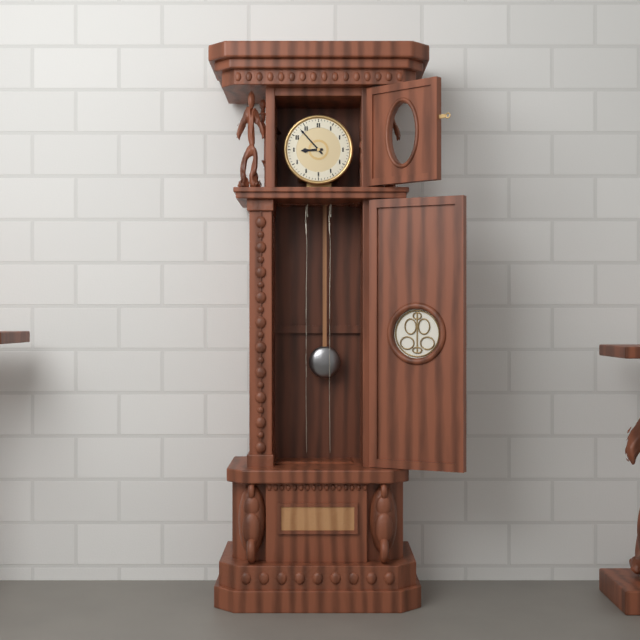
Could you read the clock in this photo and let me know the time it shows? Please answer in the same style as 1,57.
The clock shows 8,53
